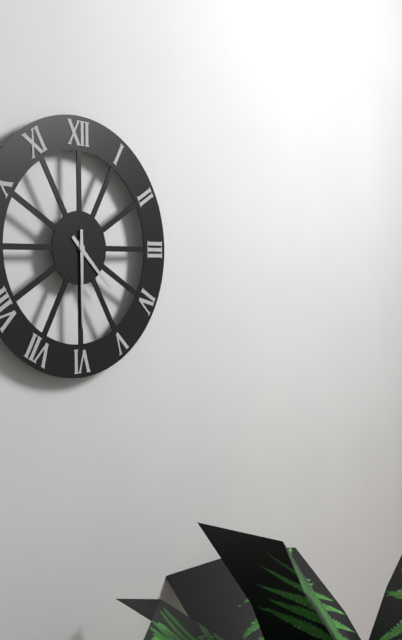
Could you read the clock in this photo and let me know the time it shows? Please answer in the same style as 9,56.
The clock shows 4,30
